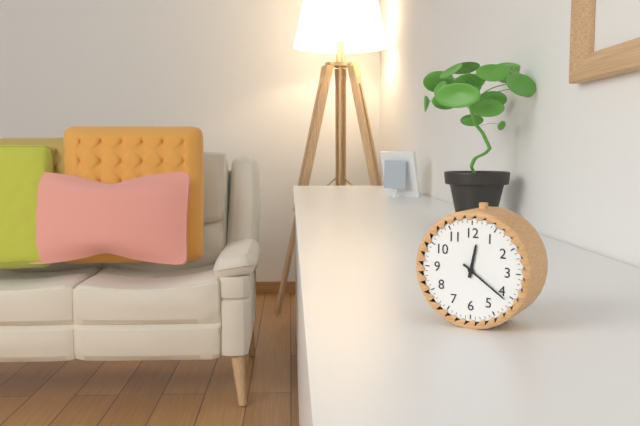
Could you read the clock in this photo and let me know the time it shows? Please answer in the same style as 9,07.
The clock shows 12,21
